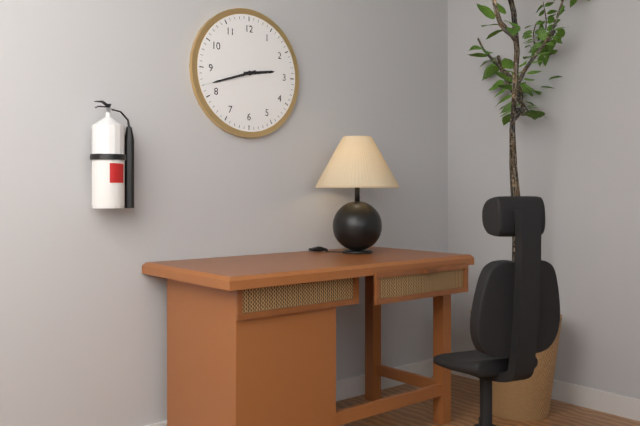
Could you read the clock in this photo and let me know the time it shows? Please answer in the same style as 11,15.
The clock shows 2,42
